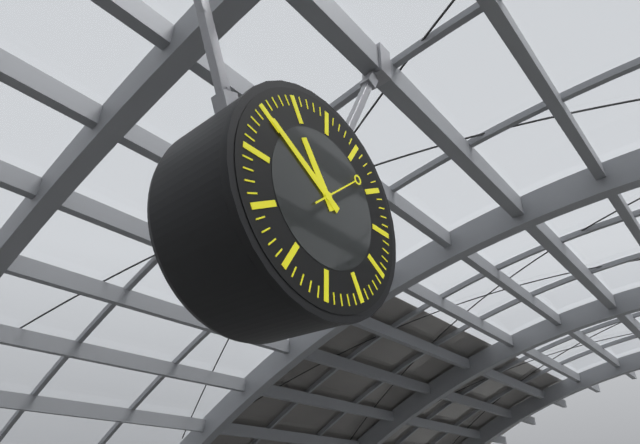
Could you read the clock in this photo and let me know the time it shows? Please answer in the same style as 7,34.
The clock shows 10,50
